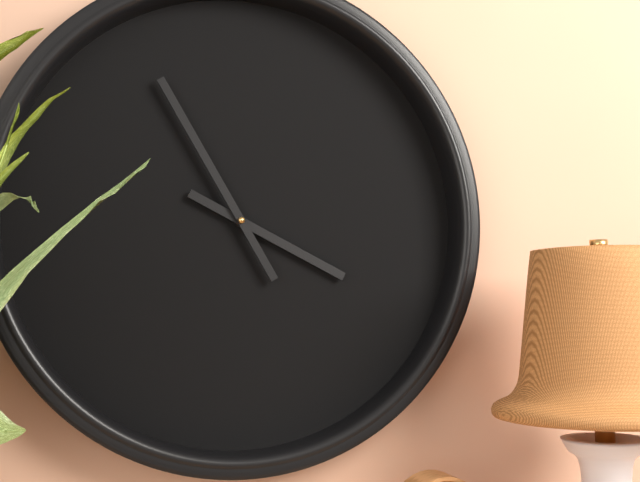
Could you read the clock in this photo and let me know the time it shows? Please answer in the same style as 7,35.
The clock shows 3,55
